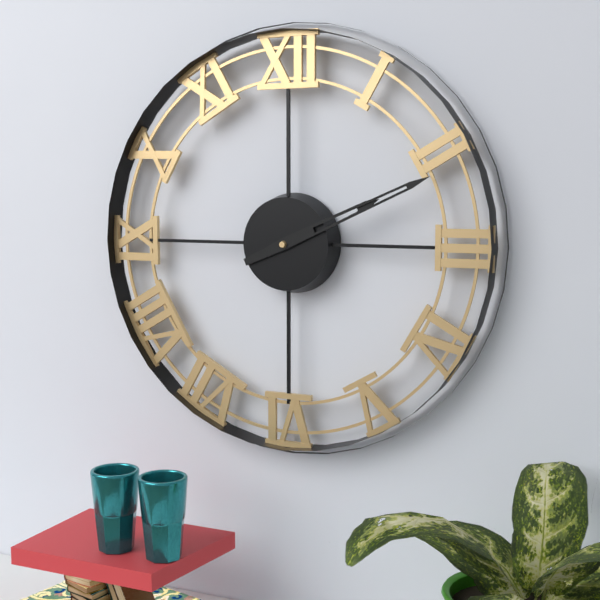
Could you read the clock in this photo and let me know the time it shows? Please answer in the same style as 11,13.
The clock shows 2,11
